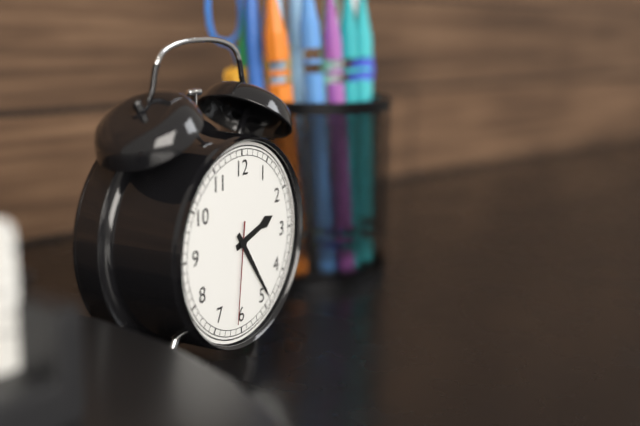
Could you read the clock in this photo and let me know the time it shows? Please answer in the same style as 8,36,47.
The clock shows 2,24,31
